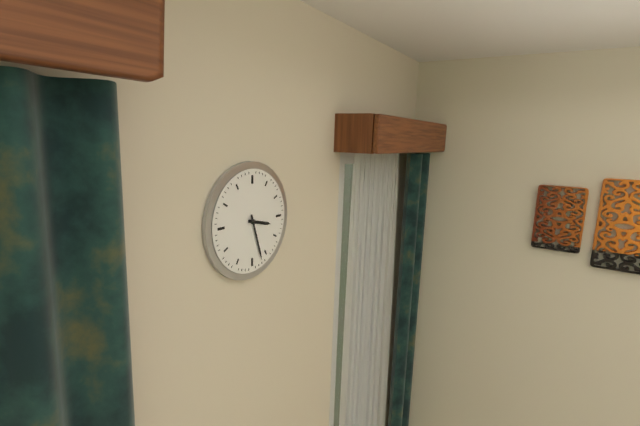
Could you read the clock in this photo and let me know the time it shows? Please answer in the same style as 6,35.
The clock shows 3,27
